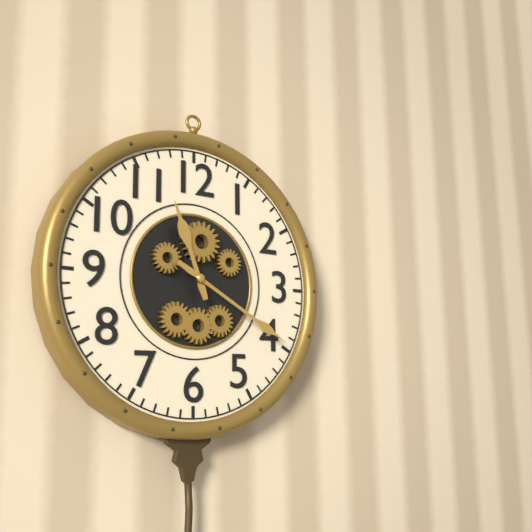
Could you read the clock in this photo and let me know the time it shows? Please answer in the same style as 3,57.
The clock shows 11,20
